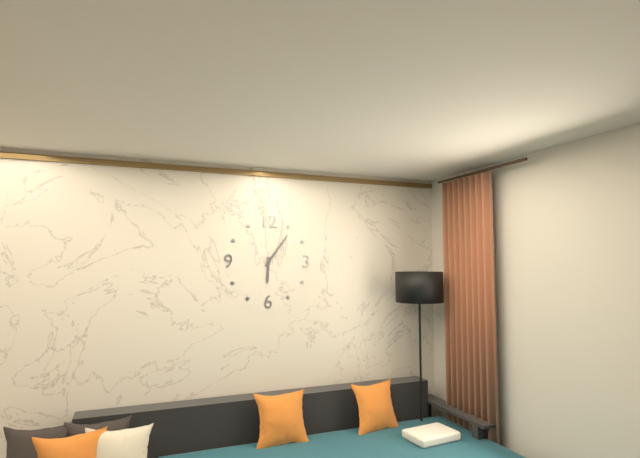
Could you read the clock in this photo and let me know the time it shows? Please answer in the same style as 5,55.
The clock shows 6,06
